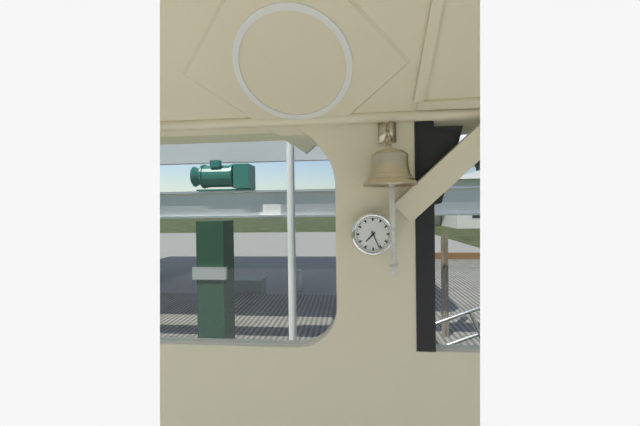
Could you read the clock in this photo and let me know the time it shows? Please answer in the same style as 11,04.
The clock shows 7,26
